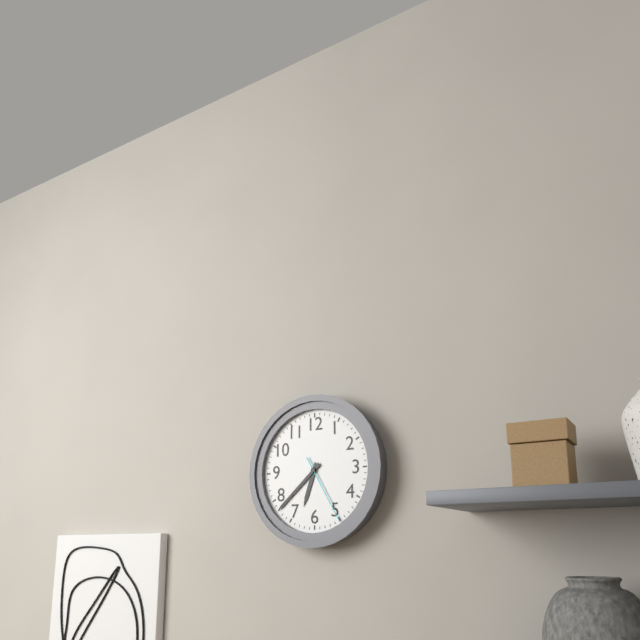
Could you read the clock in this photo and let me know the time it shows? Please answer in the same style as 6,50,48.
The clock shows 6,38,25
